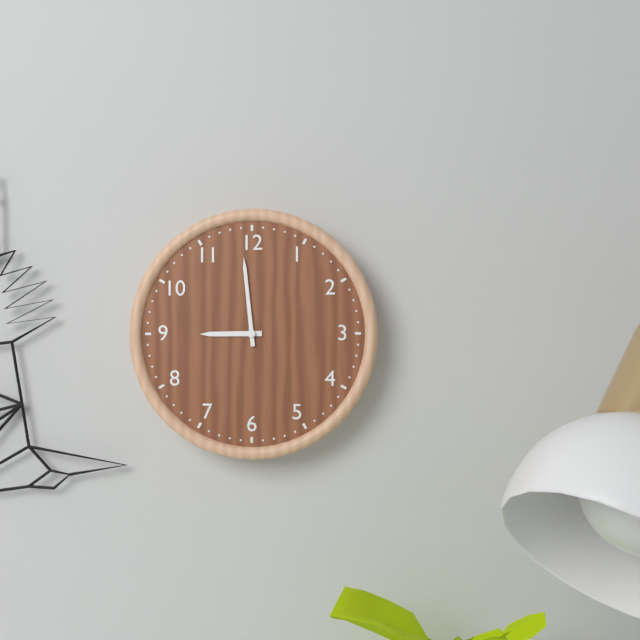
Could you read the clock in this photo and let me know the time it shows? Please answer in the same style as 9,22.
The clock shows 8,59
